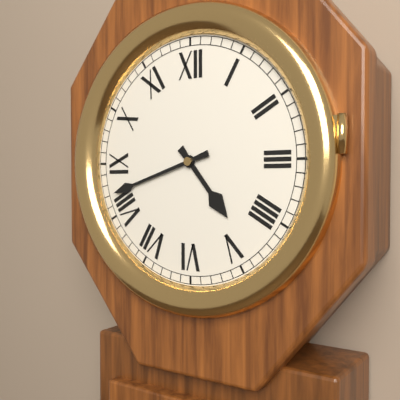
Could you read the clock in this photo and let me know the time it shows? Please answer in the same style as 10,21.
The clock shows 4,42
